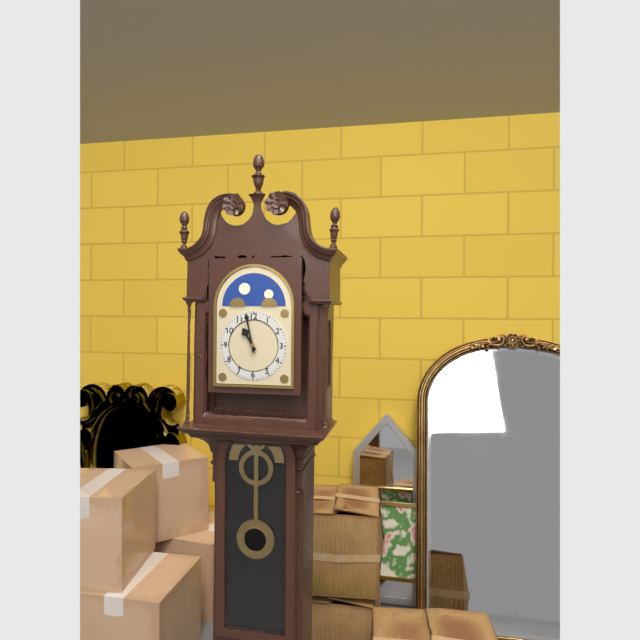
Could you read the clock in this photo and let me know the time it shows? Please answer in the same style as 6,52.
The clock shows 10,58
